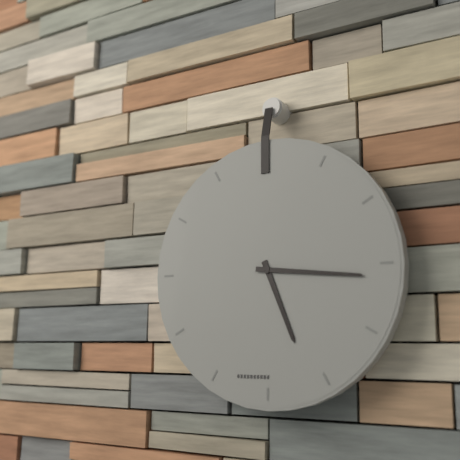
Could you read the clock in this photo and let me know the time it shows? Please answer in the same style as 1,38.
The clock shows 5,16
